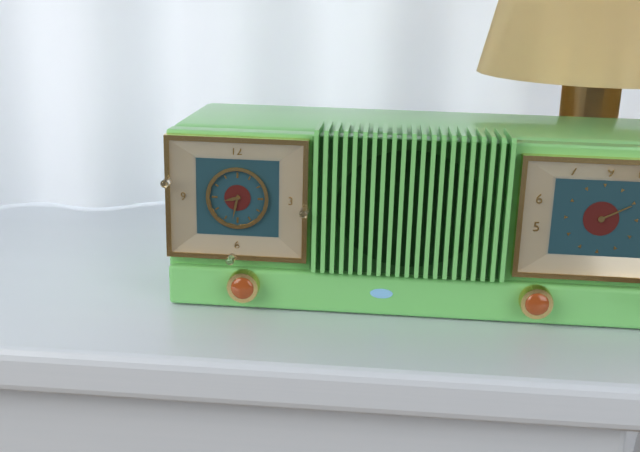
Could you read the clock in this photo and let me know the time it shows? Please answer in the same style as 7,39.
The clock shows 8,32
